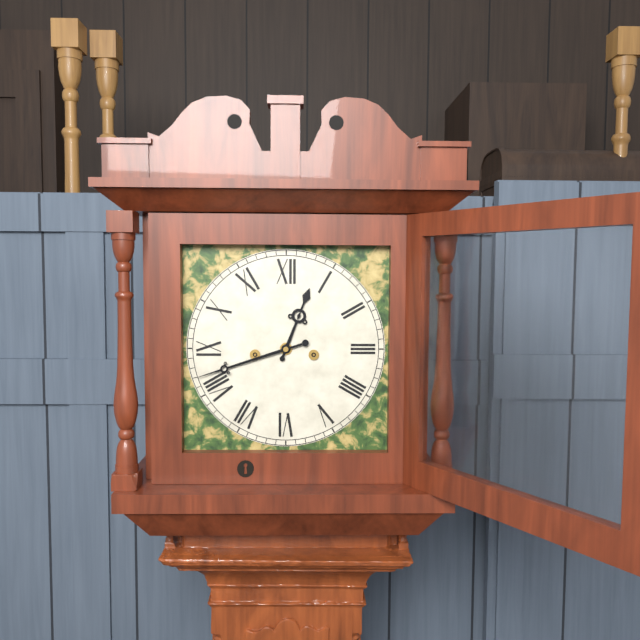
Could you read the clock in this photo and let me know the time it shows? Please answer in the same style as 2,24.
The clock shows 12,42
